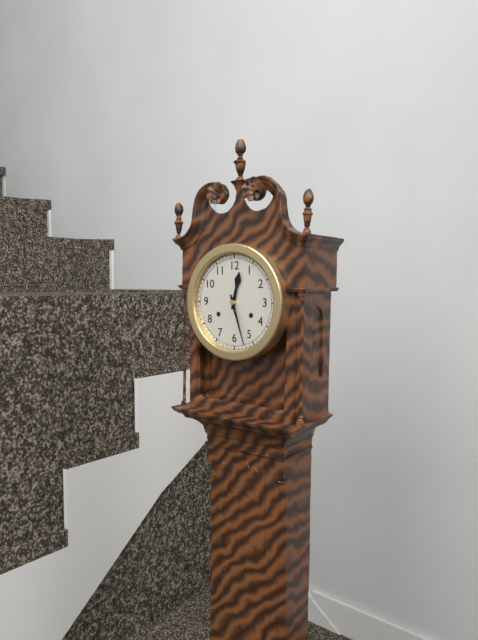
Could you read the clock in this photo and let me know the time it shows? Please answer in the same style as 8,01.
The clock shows 12,27
